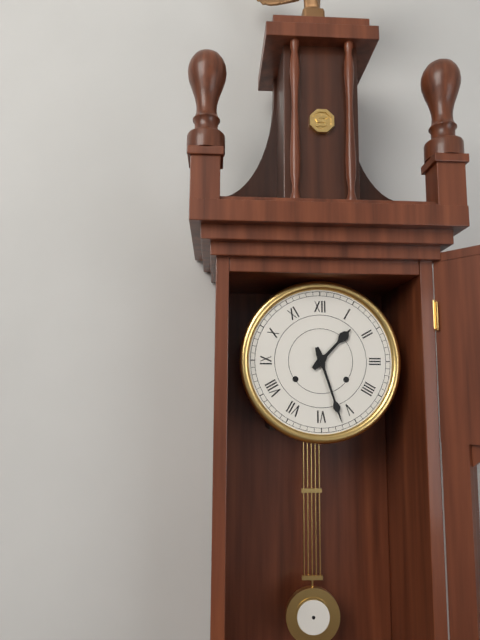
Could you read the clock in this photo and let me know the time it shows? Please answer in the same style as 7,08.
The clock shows 1,27
